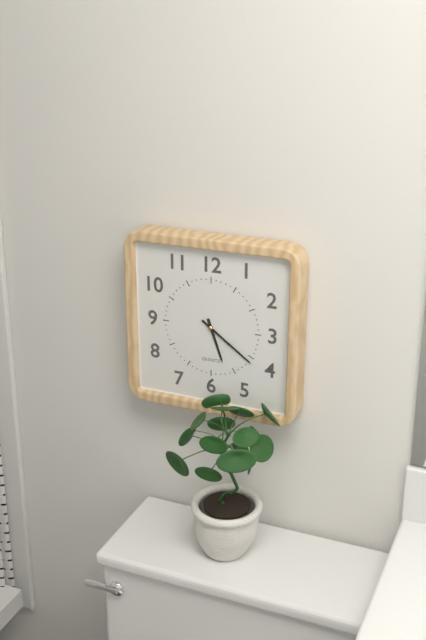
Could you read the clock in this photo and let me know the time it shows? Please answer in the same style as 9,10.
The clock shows 5,21
